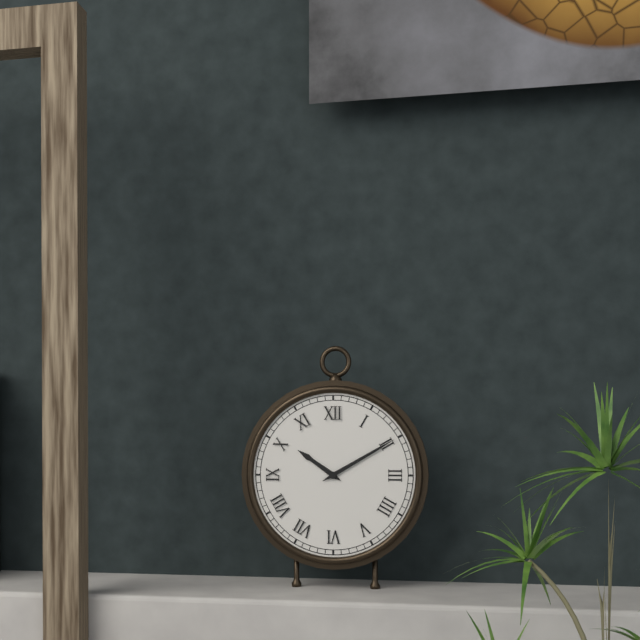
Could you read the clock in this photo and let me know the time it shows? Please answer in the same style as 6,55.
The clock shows 10,10
